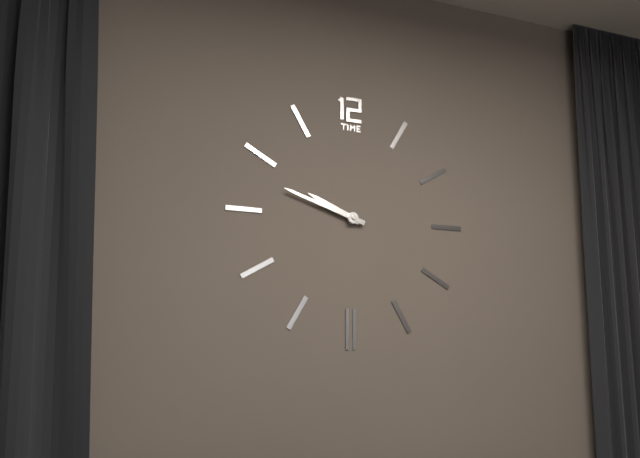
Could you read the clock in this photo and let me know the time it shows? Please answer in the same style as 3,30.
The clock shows 9,48
